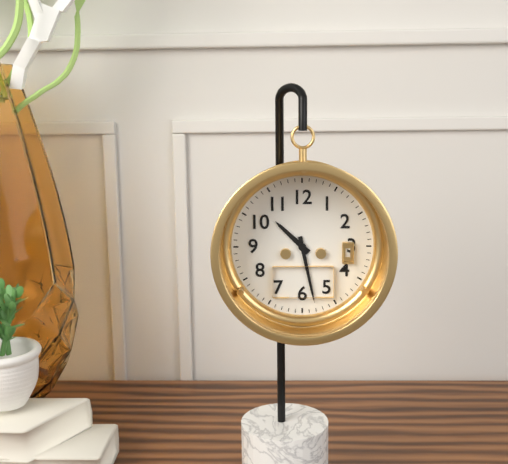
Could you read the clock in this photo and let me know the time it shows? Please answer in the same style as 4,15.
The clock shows 10,28
